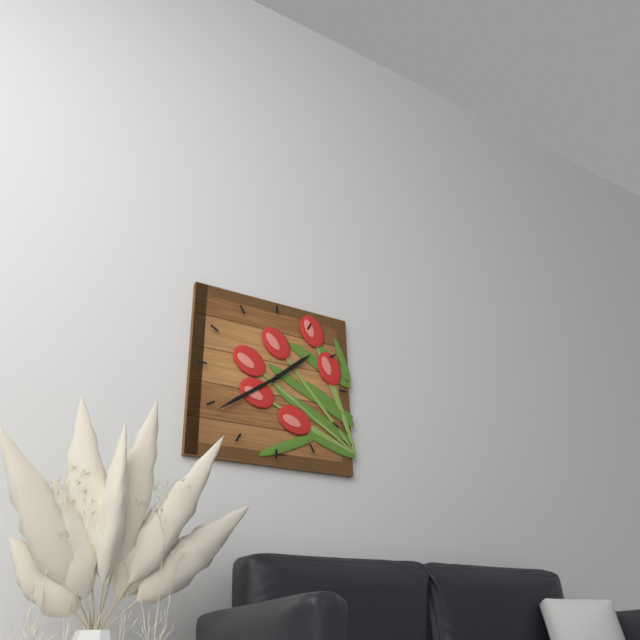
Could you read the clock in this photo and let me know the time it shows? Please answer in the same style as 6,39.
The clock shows 1,39
